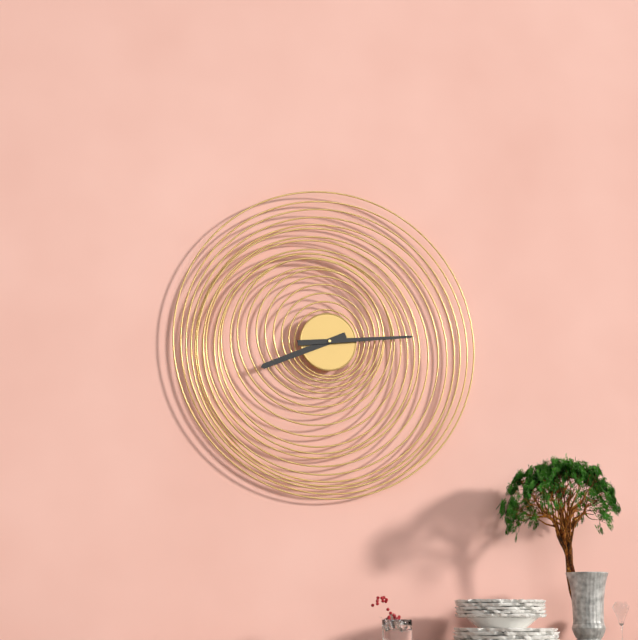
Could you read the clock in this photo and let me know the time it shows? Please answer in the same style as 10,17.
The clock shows 8,14
